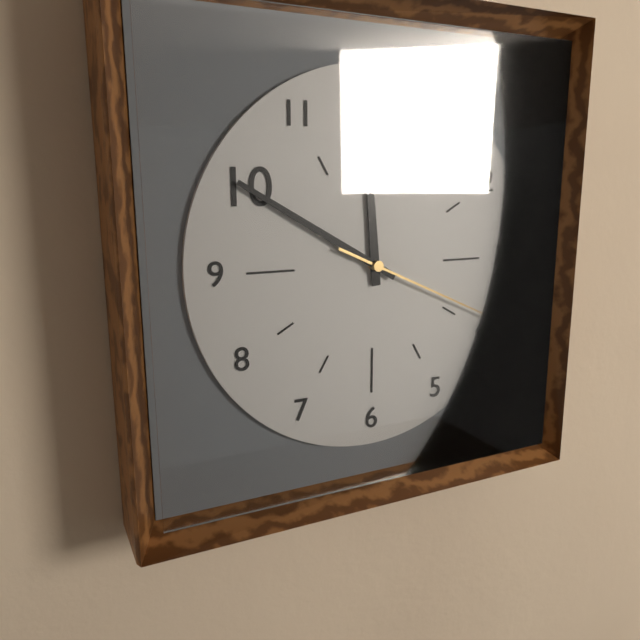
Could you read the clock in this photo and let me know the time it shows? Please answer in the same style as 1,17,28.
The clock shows 11,50,19
